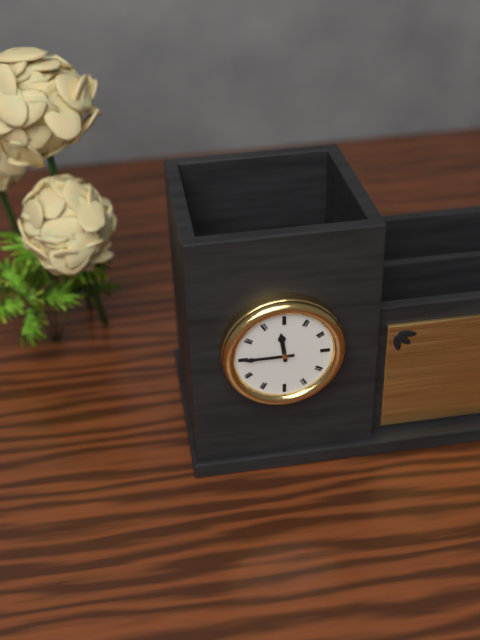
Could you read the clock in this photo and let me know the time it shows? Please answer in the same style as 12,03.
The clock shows 11,45
